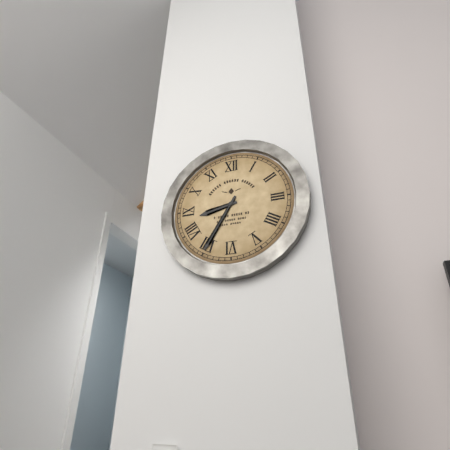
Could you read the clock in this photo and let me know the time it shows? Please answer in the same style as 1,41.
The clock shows 8,35
